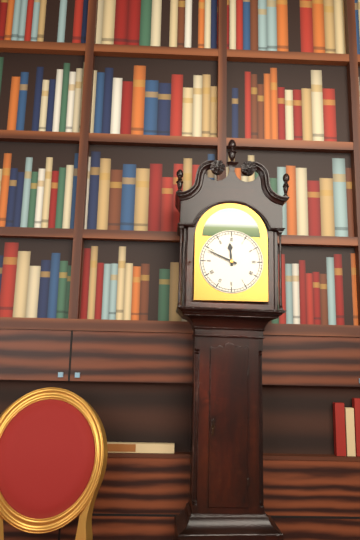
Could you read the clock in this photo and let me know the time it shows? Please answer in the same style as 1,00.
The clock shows 11,49
